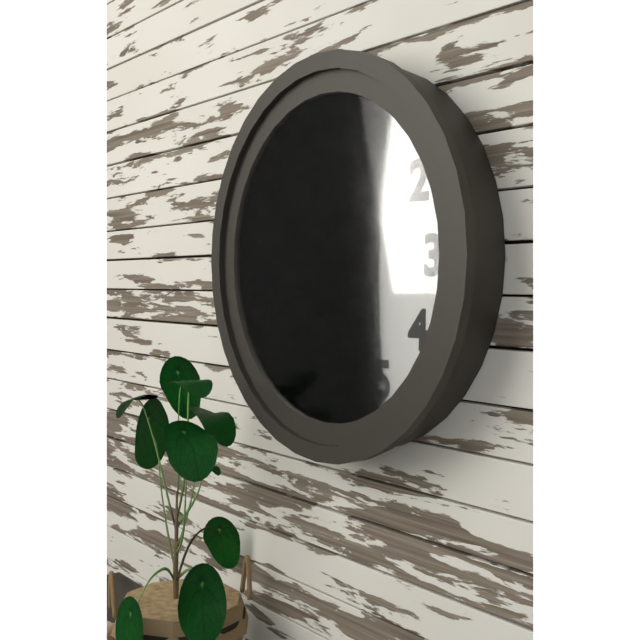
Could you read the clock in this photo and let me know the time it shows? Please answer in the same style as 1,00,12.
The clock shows 1,00,46
